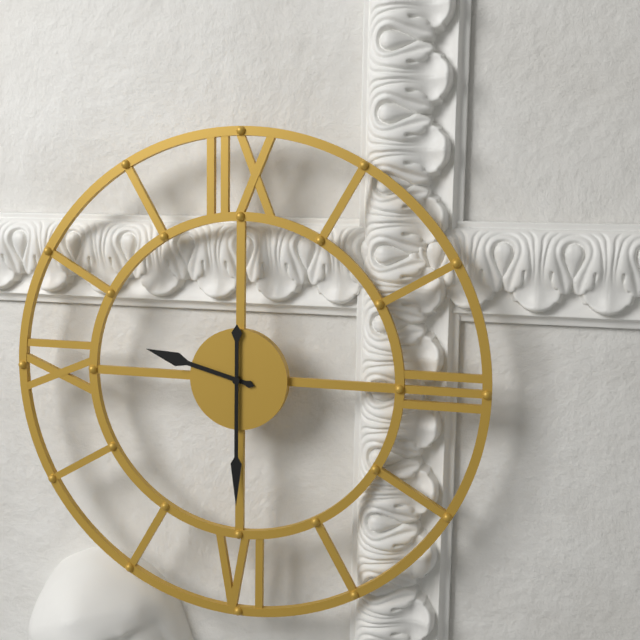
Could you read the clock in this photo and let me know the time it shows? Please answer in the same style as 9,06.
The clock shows 9,30
